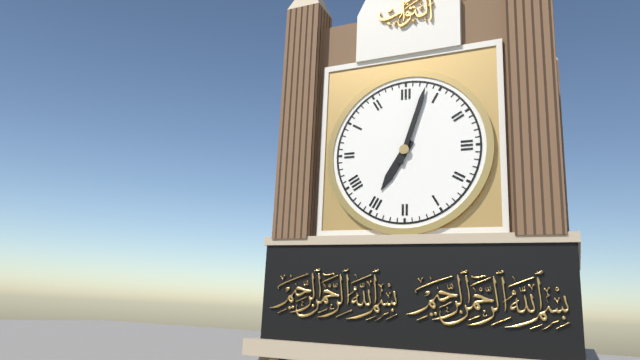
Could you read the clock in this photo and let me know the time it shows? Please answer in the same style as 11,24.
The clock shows 7,03
